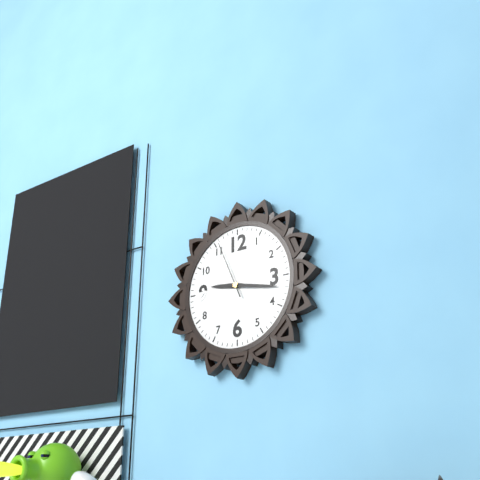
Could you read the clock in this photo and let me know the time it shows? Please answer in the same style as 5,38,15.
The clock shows 9,17,56
